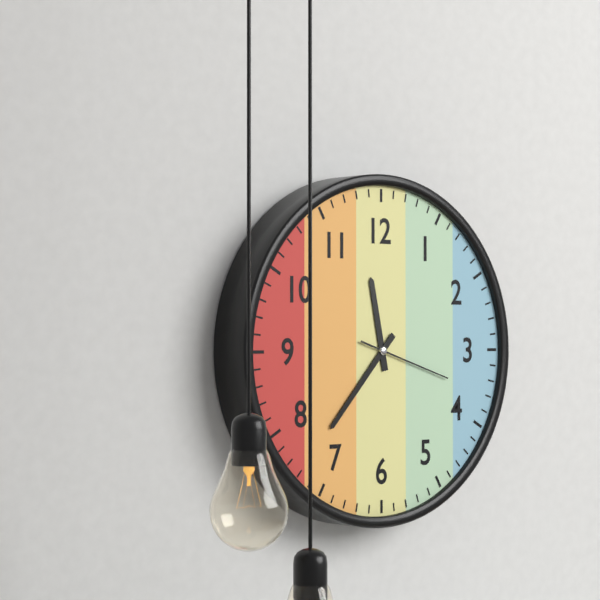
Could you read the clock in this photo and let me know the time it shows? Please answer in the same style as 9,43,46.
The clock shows 11,37,18
